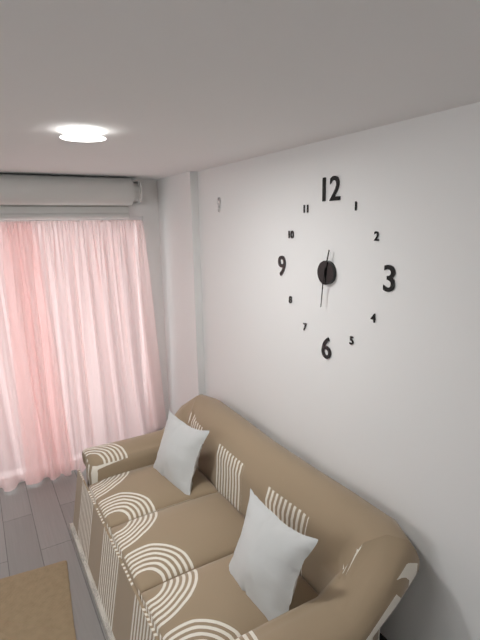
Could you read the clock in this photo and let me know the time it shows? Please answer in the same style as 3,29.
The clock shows 12,31
